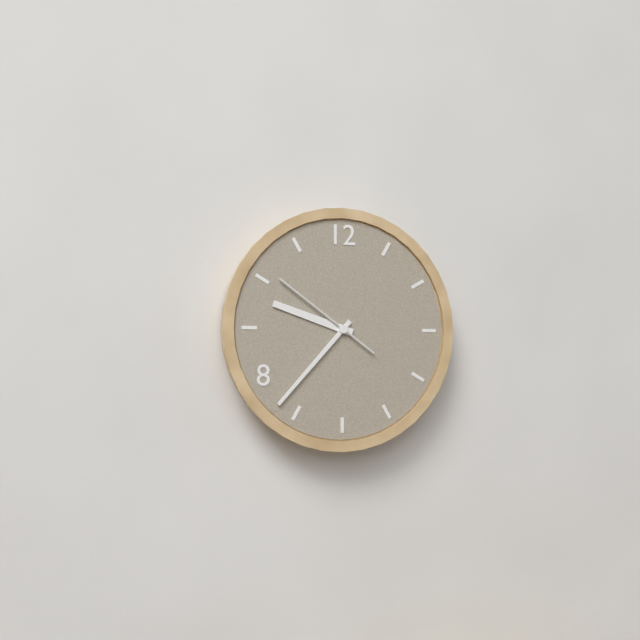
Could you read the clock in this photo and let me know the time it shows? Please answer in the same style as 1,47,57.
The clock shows 9,37,51
